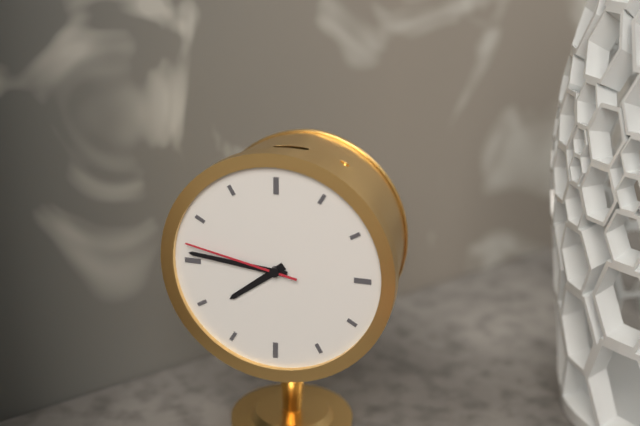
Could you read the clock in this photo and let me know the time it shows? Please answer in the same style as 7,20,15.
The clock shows 7,46,47
